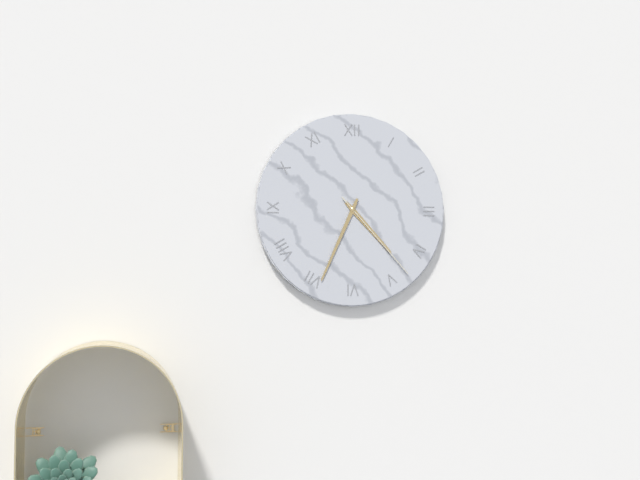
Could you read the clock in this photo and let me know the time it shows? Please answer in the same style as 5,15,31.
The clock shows 4,34,23
